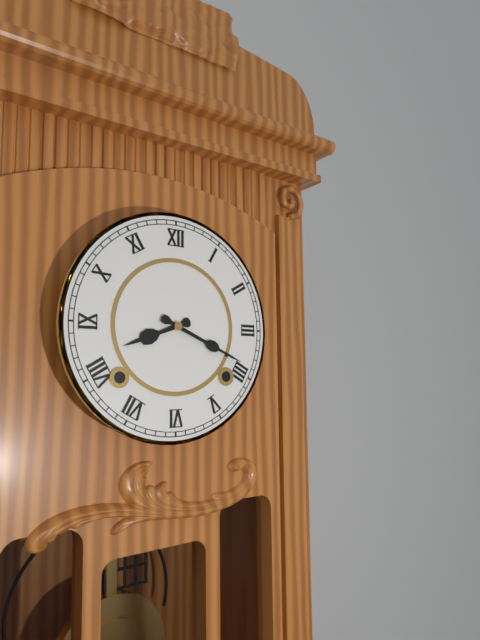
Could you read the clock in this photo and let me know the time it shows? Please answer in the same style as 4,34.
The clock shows 8,19
